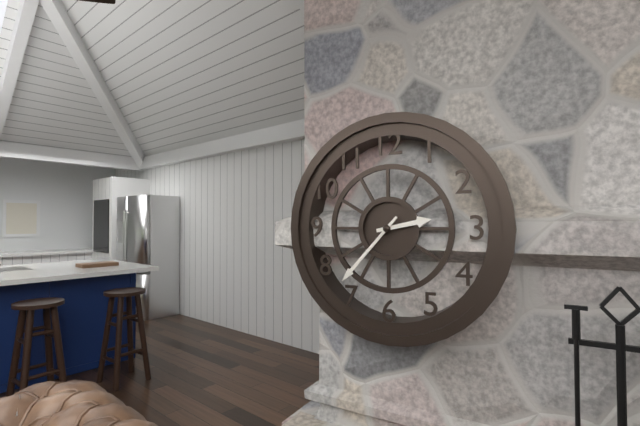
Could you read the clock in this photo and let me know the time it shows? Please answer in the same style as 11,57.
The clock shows 2,37
